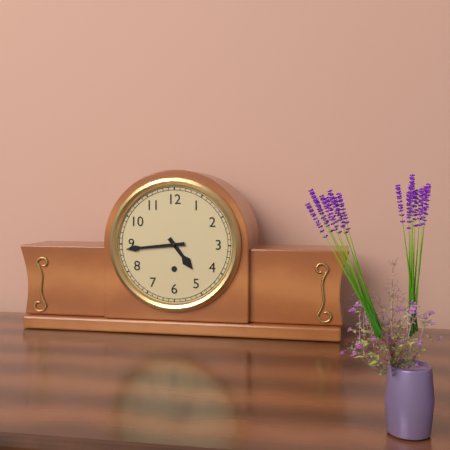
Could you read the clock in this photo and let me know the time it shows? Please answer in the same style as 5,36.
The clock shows 4,44
